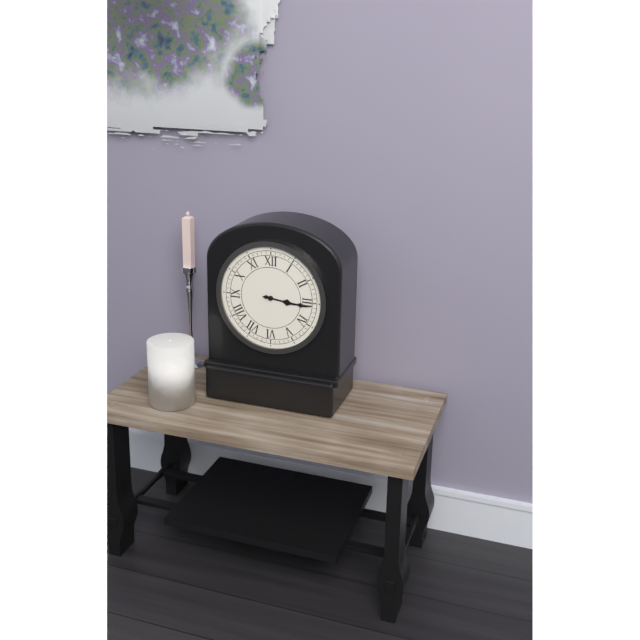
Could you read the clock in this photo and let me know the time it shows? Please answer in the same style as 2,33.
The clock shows 3,16
